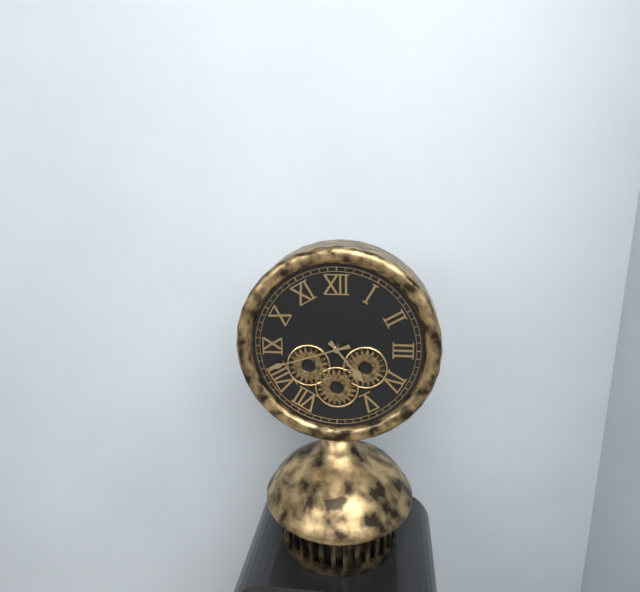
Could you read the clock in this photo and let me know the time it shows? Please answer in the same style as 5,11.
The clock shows 4,42
